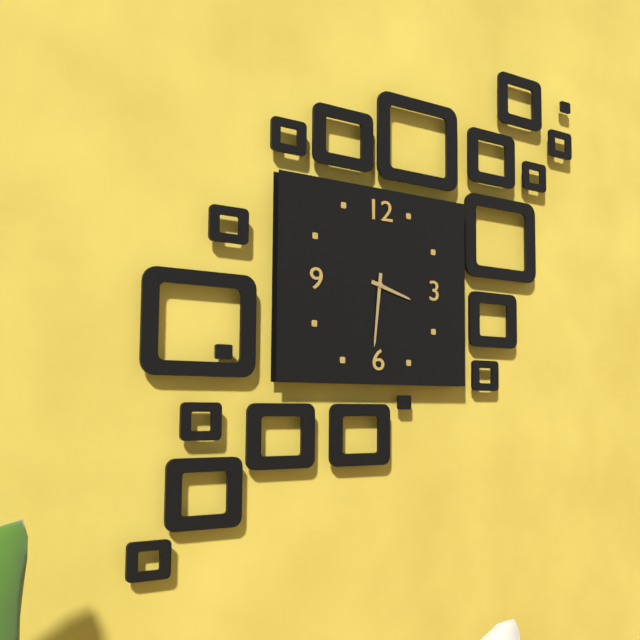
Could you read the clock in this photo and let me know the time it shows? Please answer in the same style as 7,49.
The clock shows 3,31
